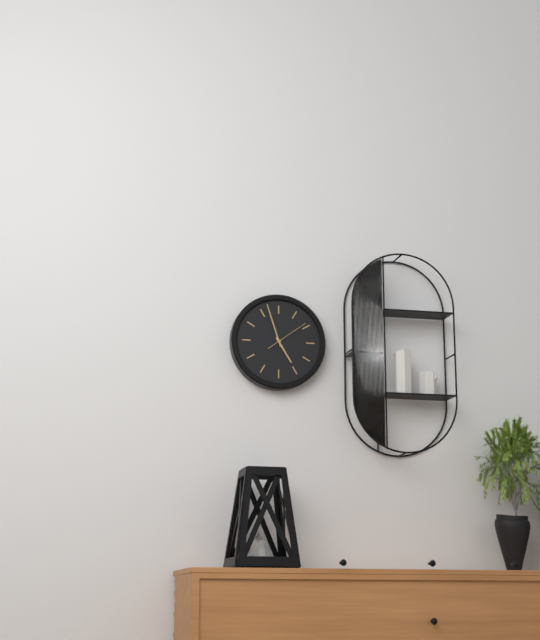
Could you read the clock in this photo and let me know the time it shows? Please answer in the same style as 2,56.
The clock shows 4,57
